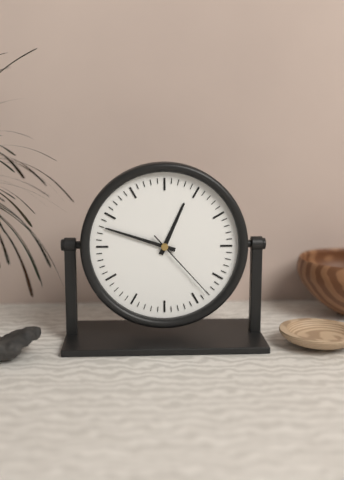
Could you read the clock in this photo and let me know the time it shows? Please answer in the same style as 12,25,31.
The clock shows 12,48,23
